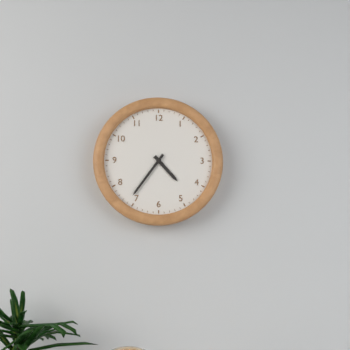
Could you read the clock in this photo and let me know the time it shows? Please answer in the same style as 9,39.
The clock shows 4,36
